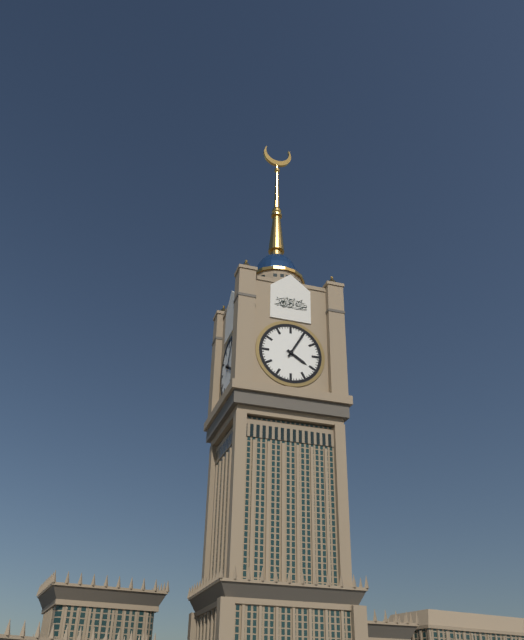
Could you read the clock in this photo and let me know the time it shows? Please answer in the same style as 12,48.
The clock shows 4,05
